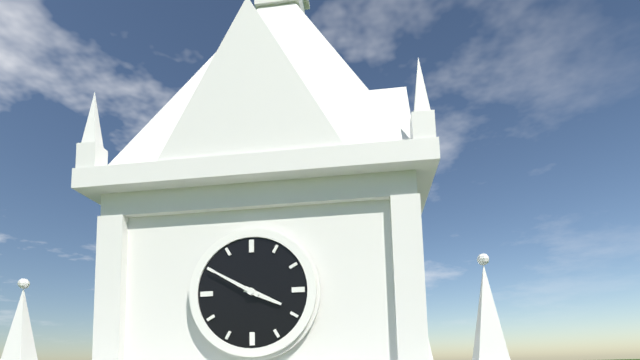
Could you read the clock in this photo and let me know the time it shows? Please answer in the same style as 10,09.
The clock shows 3,50
